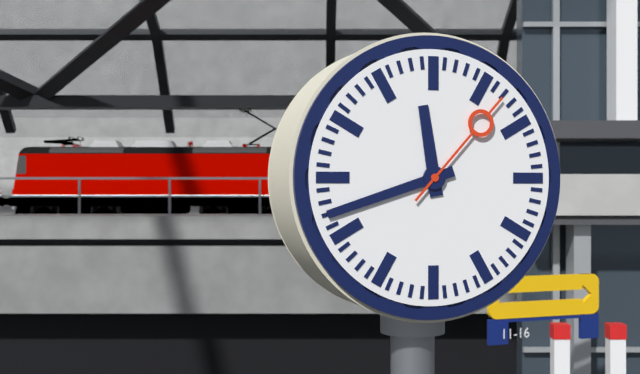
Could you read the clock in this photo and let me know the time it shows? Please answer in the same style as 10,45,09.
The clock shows 11,42,07
